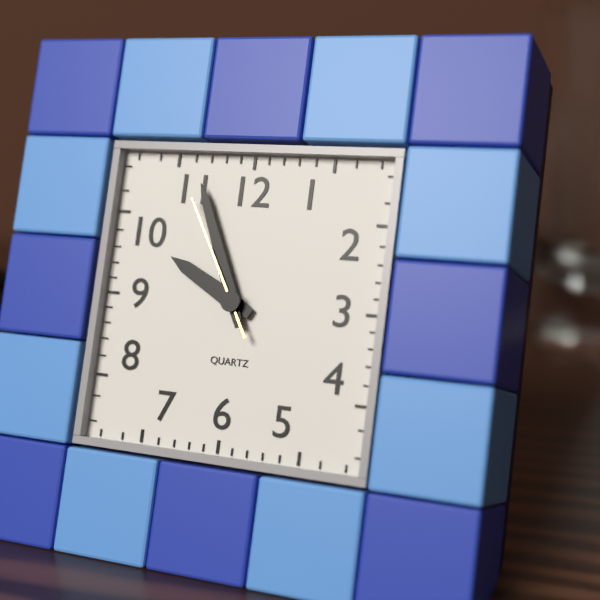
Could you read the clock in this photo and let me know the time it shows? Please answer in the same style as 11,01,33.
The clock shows 9,56,55
